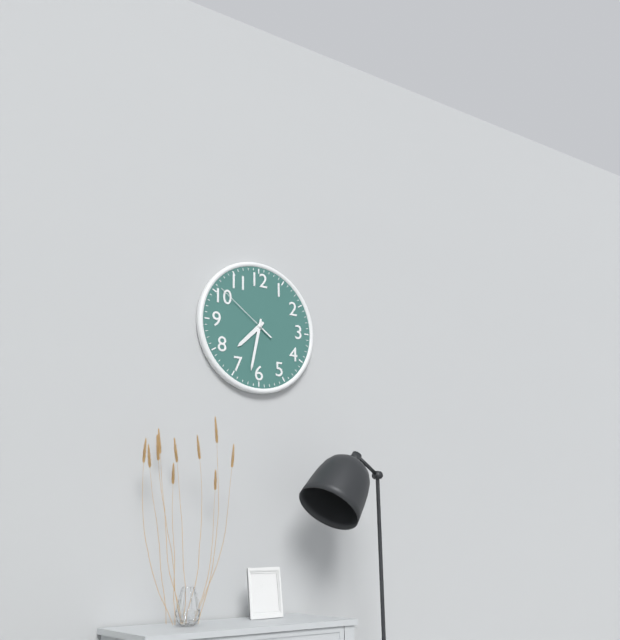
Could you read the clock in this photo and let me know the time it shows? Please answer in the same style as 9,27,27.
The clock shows 7,32,51
